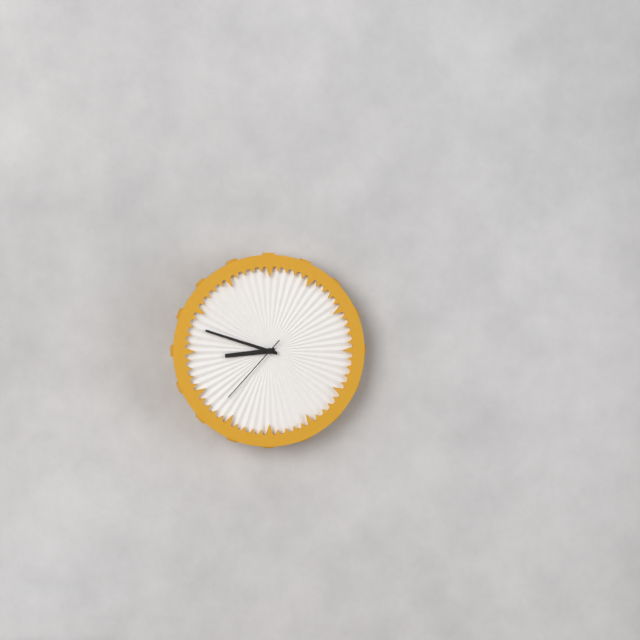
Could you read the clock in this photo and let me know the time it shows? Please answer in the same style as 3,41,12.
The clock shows 8,48,37
